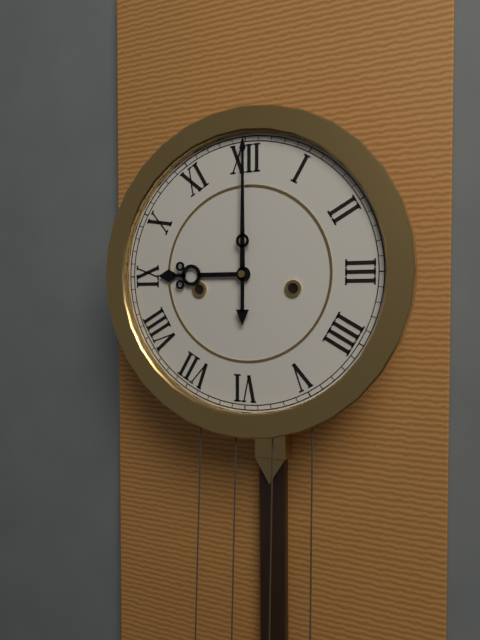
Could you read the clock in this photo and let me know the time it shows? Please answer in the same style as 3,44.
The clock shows 9,00
